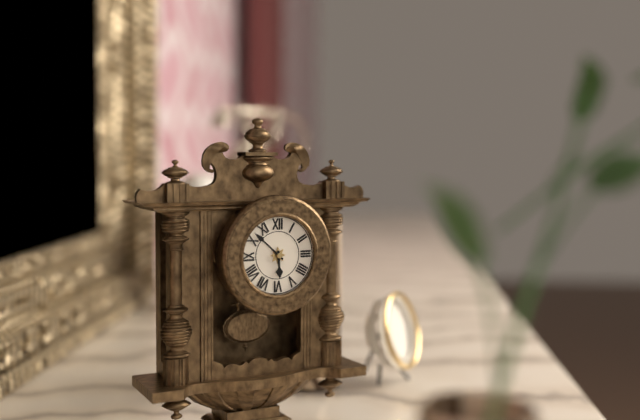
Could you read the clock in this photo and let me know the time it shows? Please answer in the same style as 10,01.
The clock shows 5,52
